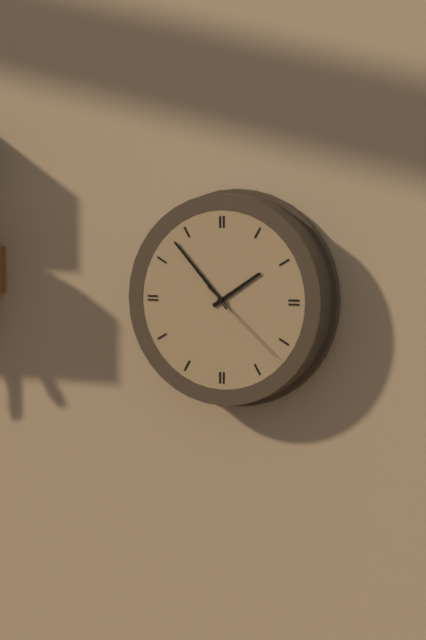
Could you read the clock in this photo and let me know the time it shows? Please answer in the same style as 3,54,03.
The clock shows 1,53,22
